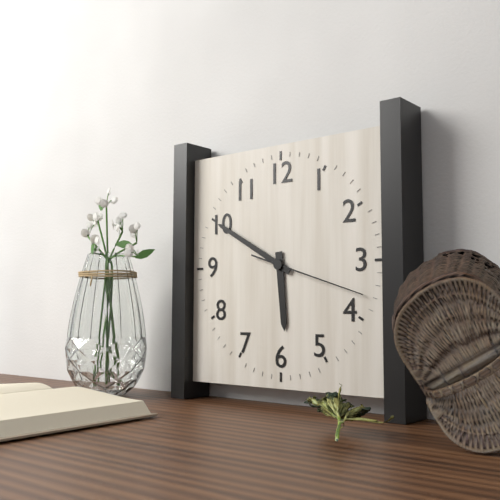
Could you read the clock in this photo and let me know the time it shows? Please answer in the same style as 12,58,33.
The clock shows 5,50,18
